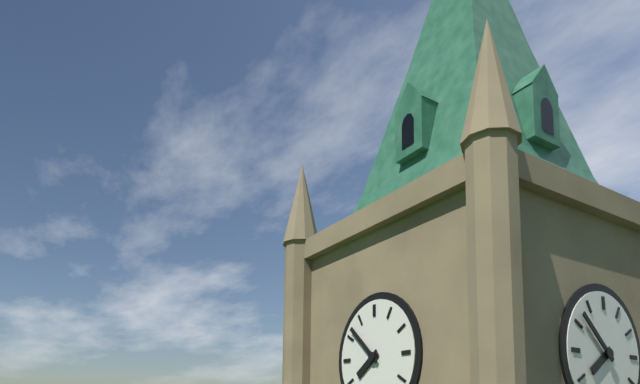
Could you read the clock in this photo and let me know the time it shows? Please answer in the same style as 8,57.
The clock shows 7,52
